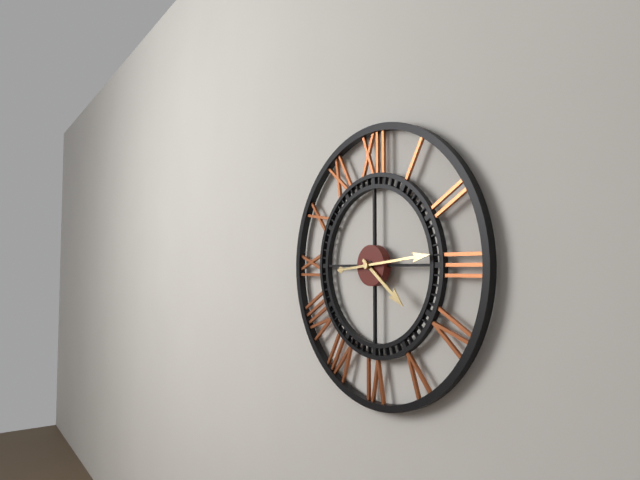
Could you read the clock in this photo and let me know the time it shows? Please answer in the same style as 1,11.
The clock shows 4,14
